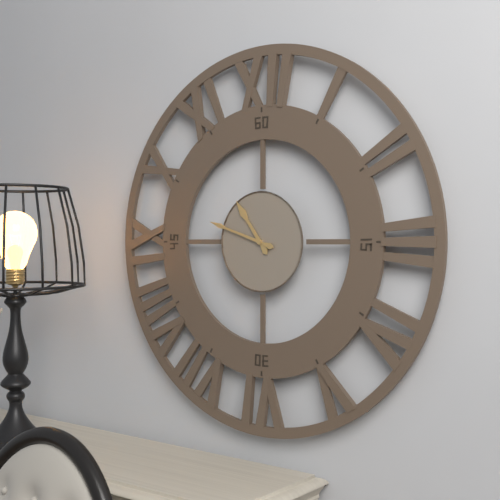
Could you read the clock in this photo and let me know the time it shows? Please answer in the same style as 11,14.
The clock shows 10,48
